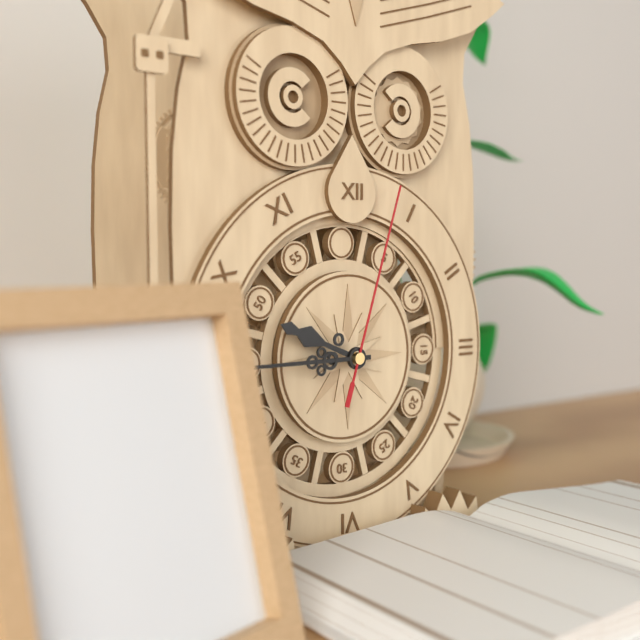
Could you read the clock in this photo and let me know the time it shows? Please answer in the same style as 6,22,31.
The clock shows 9,45,03
